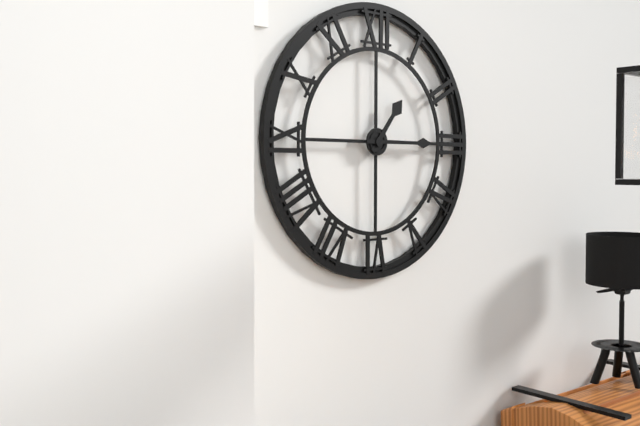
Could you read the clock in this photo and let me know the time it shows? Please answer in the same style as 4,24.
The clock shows 1,15
